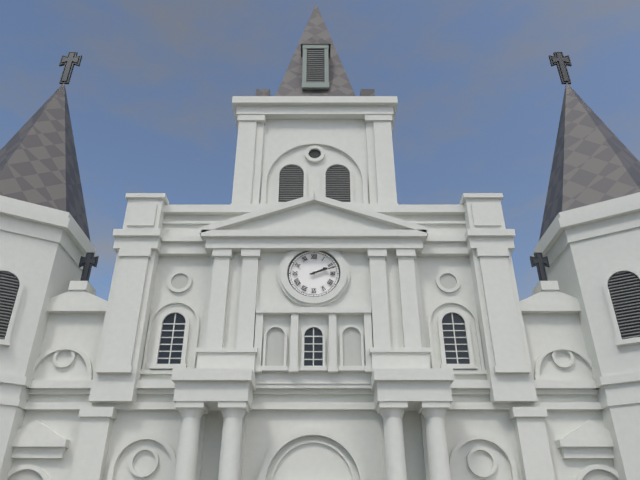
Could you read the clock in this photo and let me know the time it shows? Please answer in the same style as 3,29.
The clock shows 2,12
